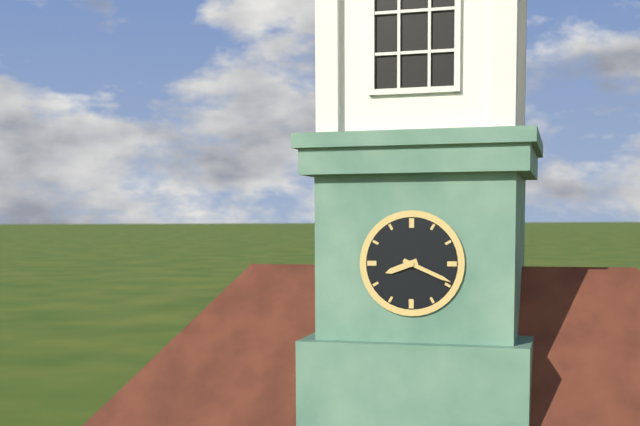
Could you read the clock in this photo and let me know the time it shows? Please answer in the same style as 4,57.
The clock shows 8,19
